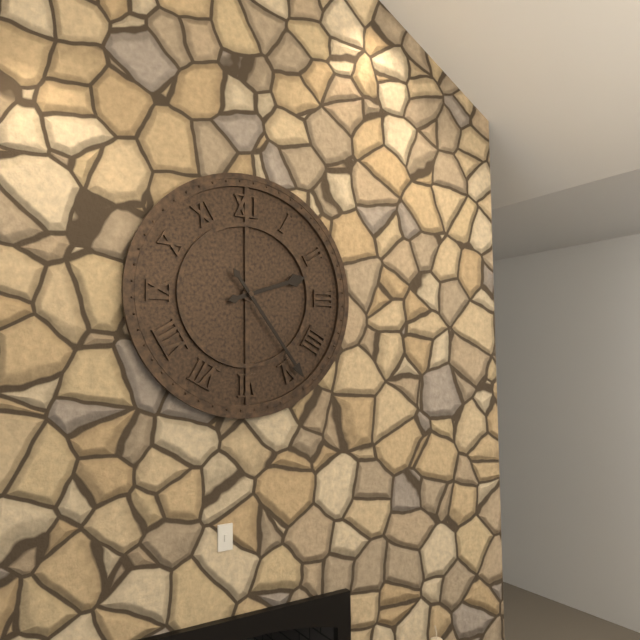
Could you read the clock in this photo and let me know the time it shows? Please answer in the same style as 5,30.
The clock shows 2,24
